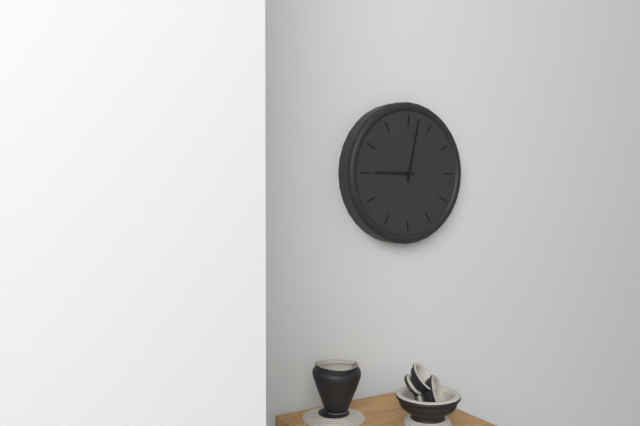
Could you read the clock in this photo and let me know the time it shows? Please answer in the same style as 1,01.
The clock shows 9,02
